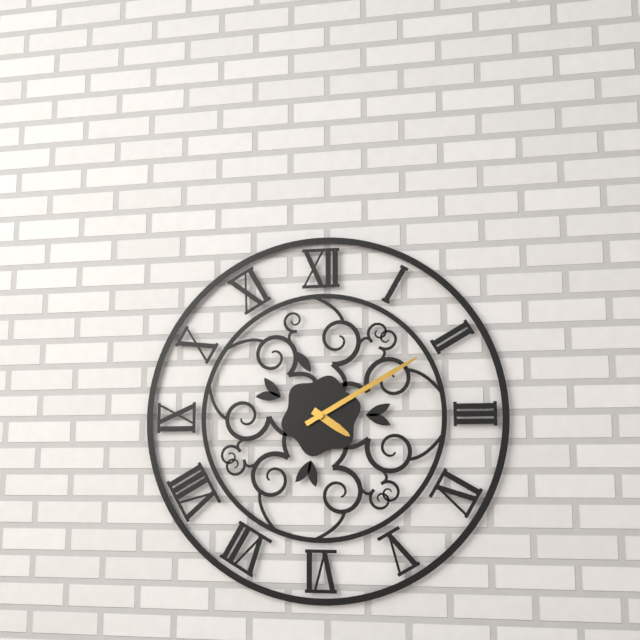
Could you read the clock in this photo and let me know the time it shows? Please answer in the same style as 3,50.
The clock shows 4,10
